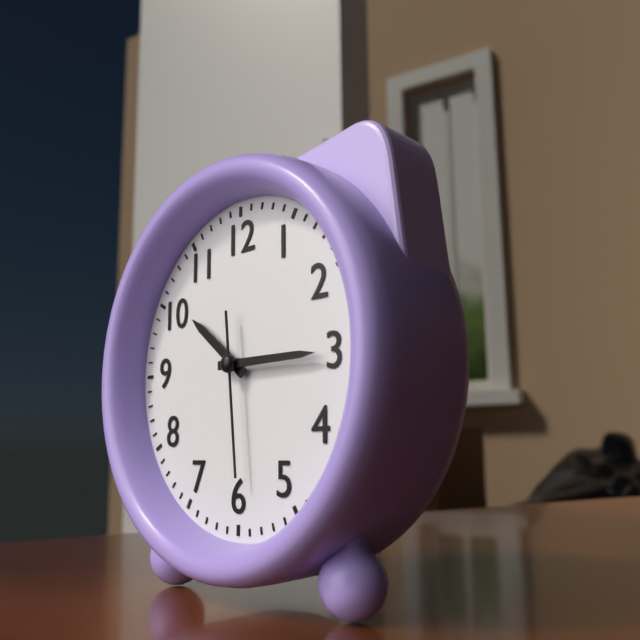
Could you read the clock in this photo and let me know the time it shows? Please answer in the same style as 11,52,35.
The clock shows 10,15,29
